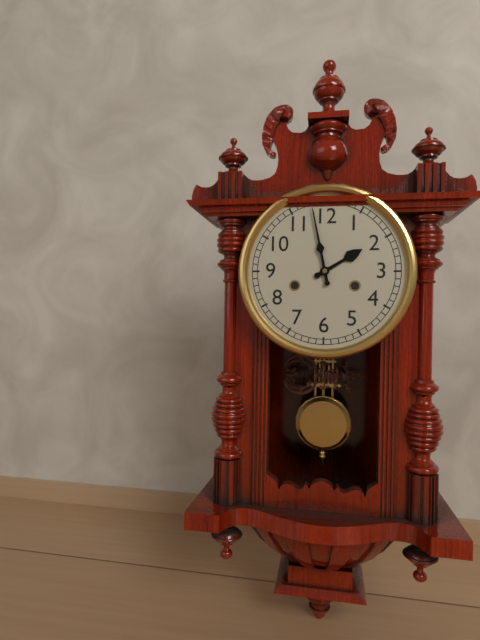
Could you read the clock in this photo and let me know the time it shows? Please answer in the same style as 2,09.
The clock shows 1,58
